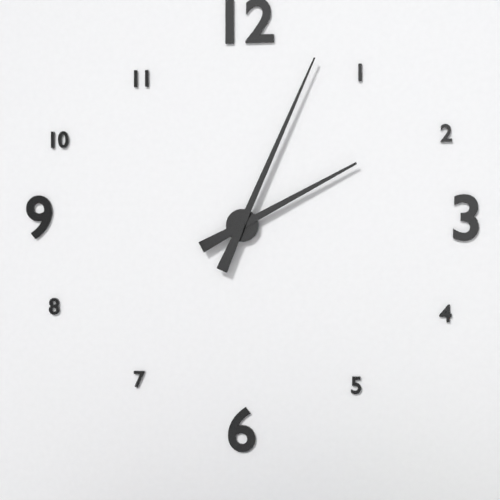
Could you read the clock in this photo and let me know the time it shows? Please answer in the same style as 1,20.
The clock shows 2,04
